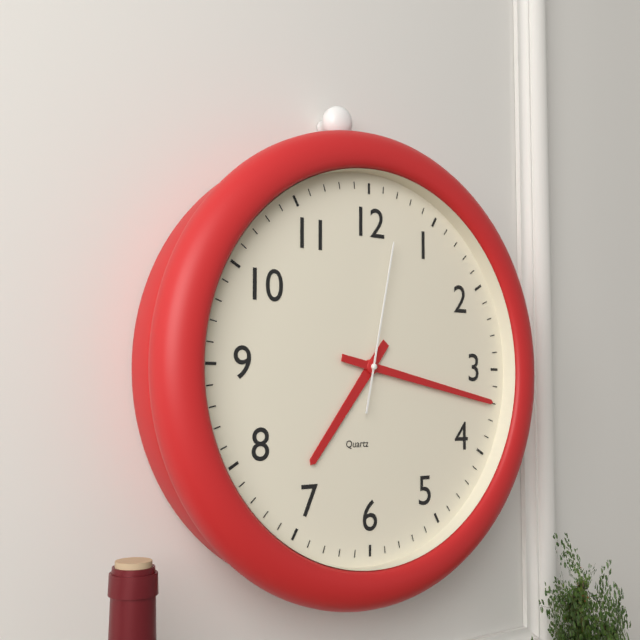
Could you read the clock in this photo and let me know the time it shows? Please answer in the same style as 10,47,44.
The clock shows 7,17,02
